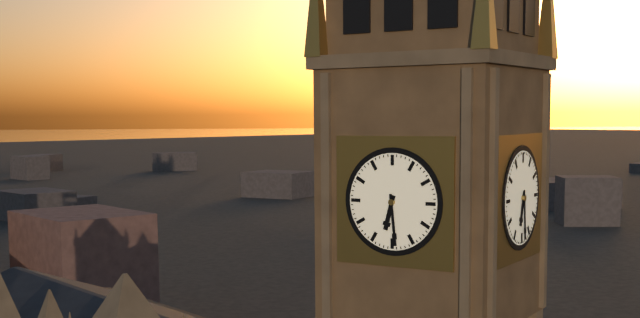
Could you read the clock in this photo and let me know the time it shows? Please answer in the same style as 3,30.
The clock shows 6,29
